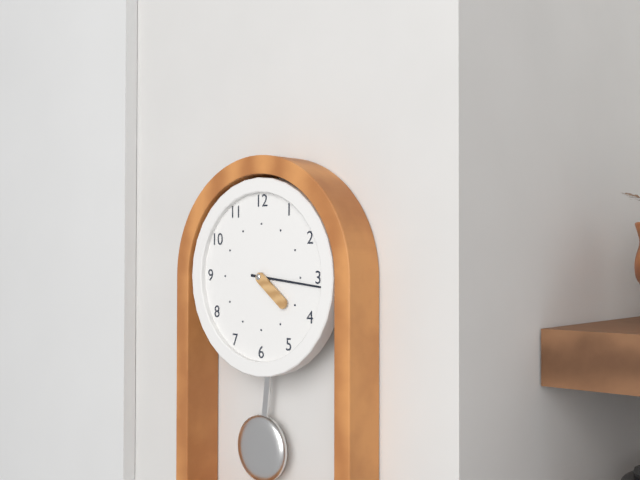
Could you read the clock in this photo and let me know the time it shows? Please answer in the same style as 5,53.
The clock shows 4,16
